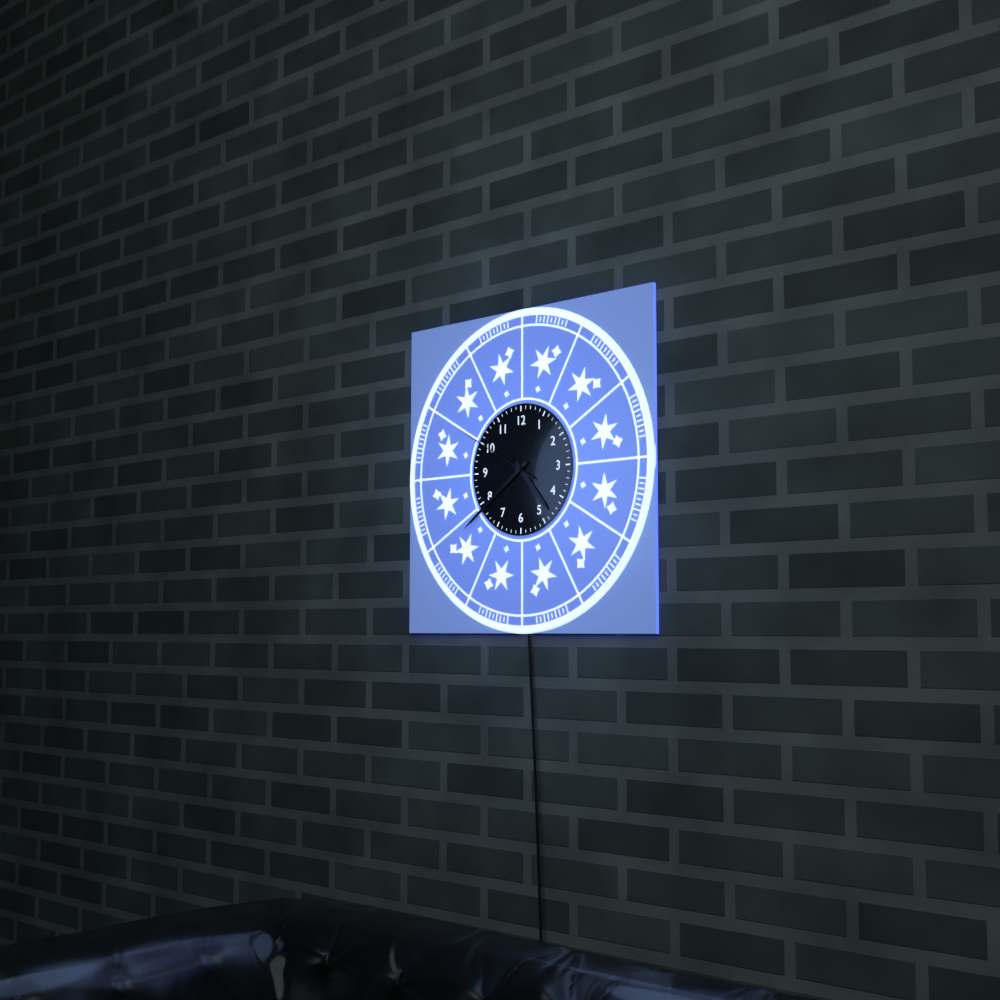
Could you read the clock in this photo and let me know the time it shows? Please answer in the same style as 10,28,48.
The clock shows 4,39,50
